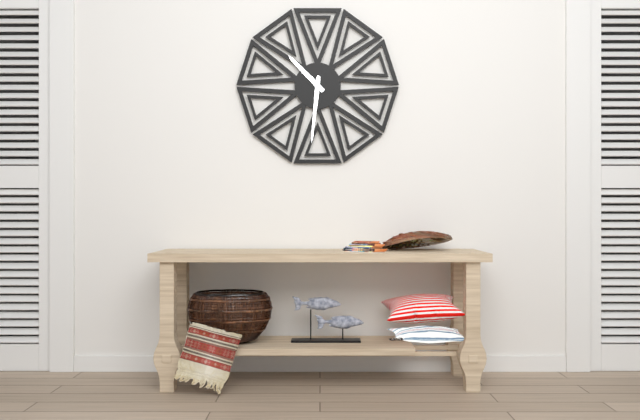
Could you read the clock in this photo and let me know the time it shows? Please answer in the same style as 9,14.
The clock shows 10,31
